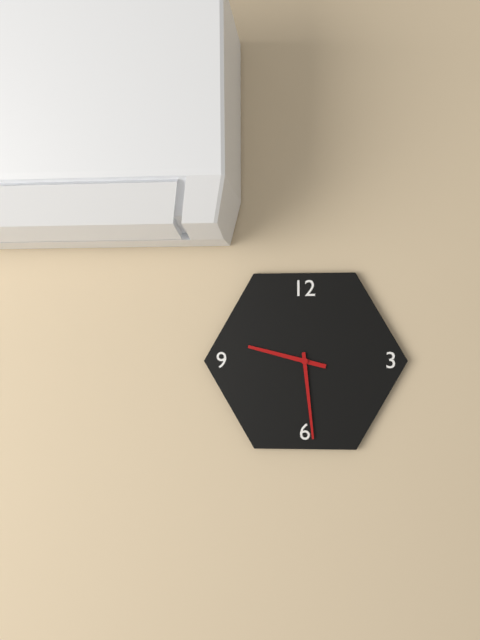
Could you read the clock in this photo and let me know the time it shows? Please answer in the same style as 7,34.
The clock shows 9,29
